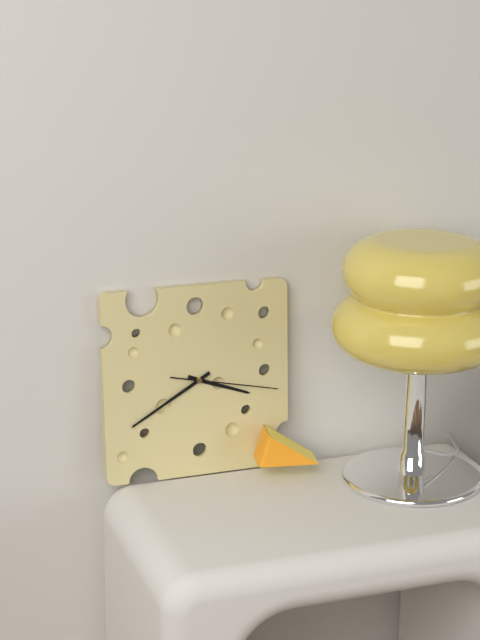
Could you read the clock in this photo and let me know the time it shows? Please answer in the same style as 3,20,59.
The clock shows 3,40,17
